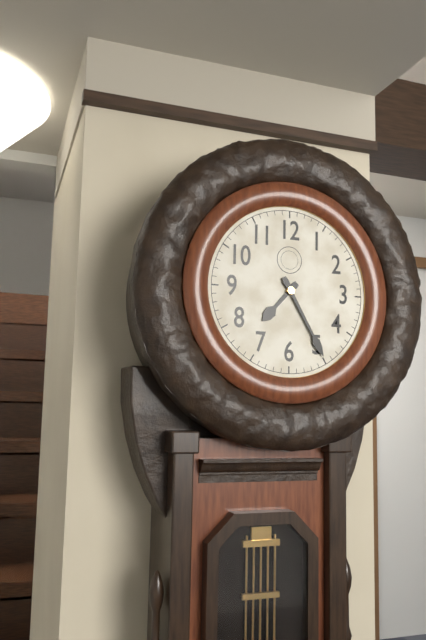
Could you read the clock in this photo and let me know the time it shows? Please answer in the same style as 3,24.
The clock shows 7,25
